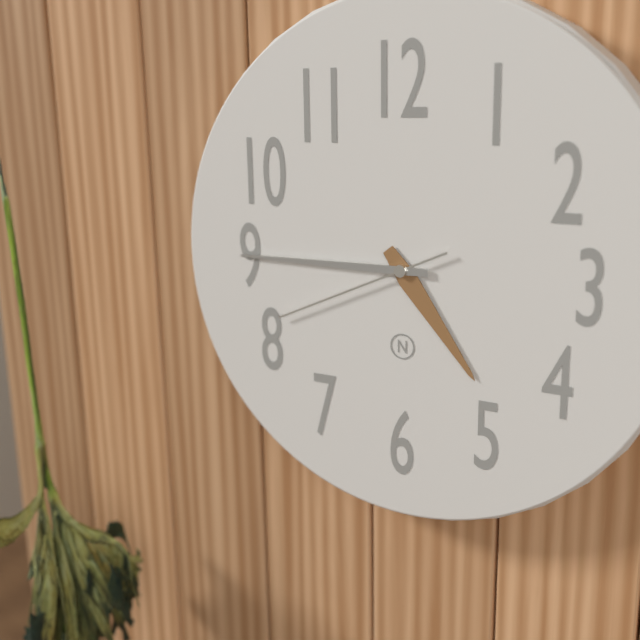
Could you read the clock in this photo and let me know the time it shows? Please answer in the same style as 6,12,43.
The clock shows 4,45,41
